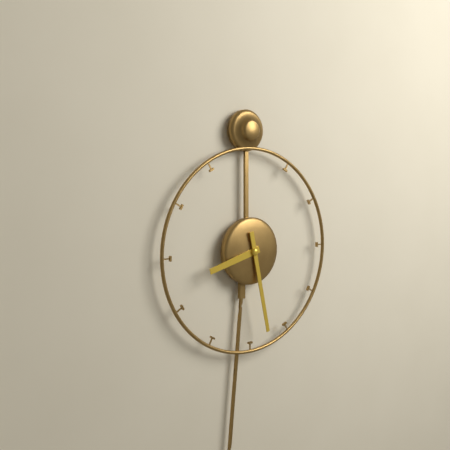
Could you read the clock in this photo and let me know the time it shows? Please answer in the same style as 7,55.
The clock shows 8,28
